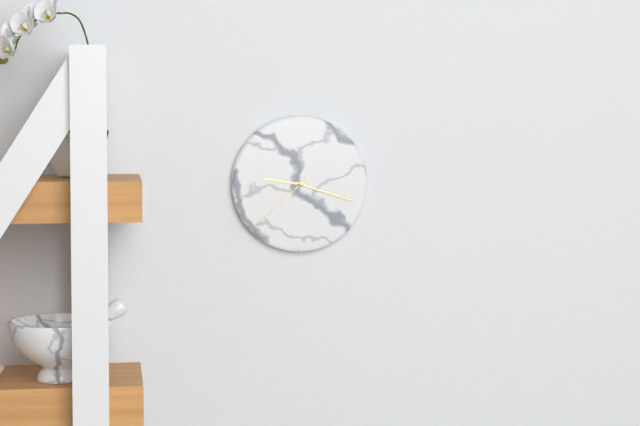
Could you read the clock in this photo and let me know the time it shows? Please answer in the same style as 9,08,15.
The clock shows 9,18,38
